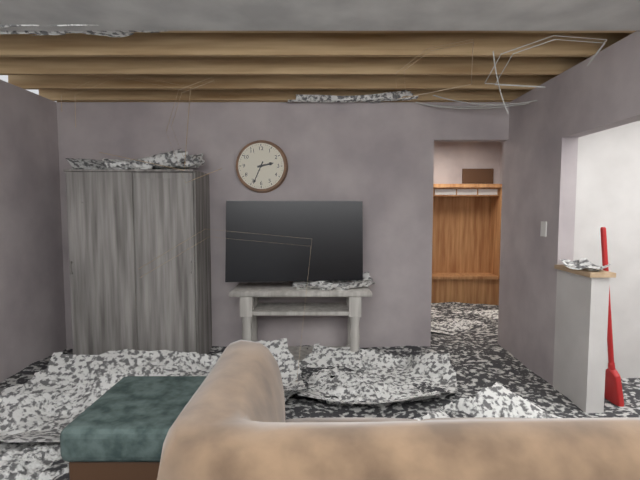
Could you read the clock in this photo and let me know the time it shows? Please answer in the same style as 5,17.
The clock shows 2,34
